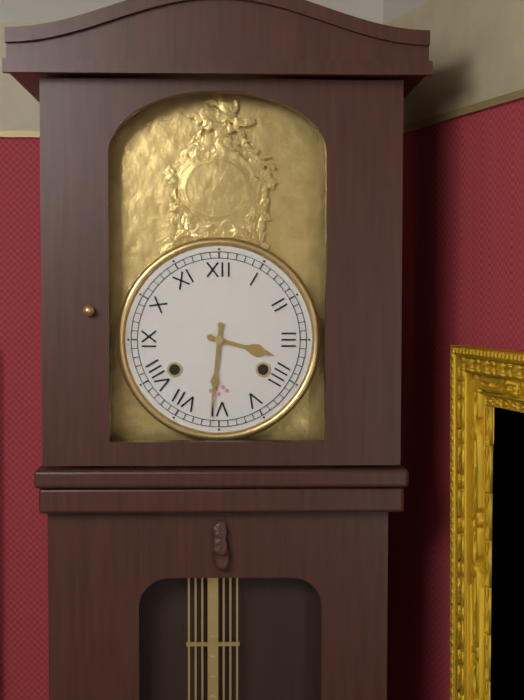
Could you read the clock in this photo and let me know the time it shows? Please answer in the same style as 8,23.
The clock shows 3,31
